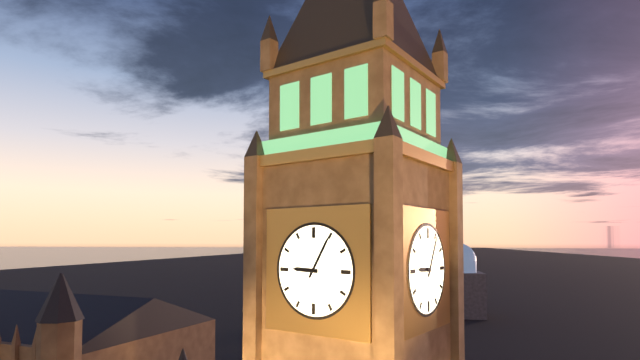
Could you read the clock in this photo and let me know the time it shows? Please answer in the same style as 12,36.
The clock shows 9,05
